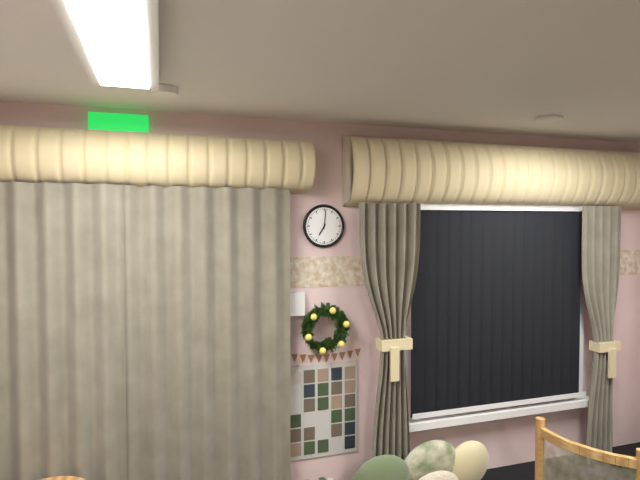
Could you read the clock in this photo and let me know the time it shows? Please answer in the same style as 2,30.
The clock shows 7,01
